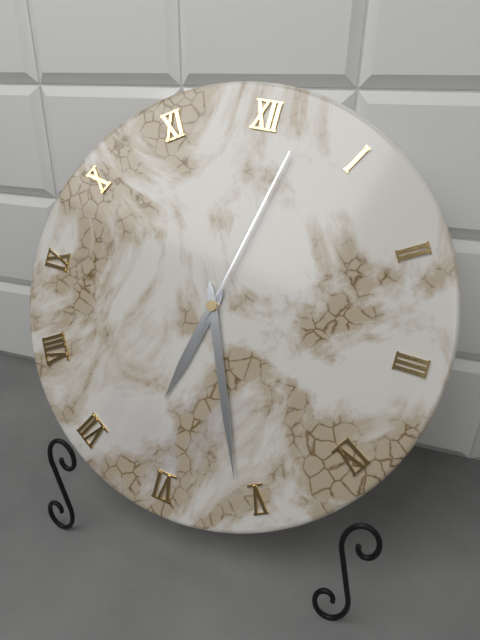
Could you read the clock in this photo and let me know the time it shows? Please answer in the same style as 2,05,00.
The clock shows 6,26,02
